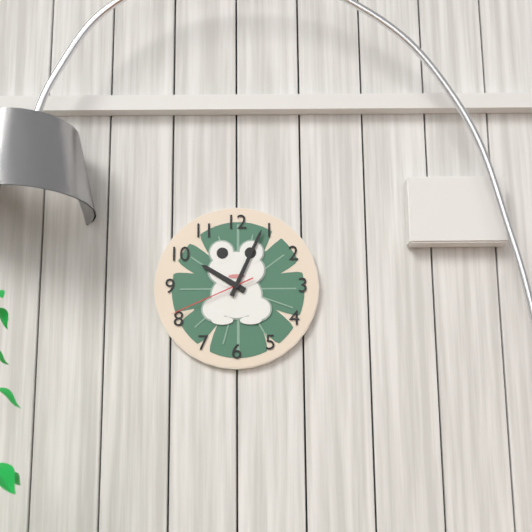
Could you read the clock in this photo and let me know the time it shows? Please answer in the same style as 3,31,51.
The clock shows 10,04,41
